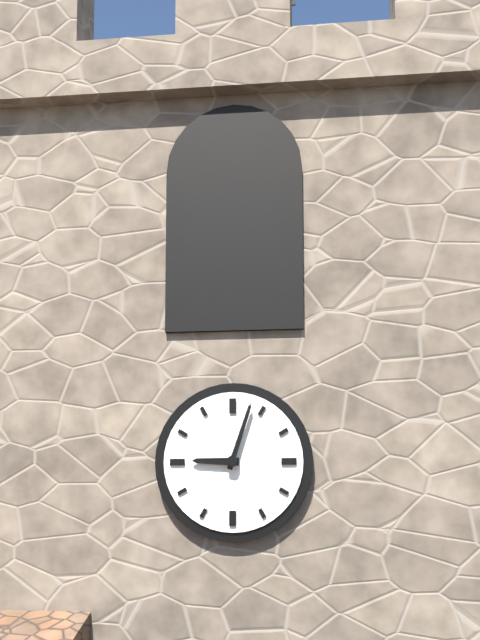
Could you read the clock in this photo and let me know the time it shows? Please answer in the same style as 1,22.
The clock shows 9,03
